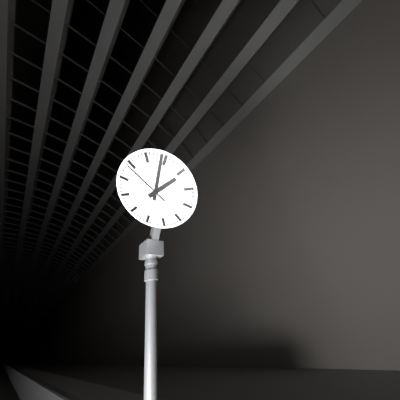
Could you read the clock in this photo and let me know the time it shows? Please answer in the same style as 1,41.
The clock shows 3,09
